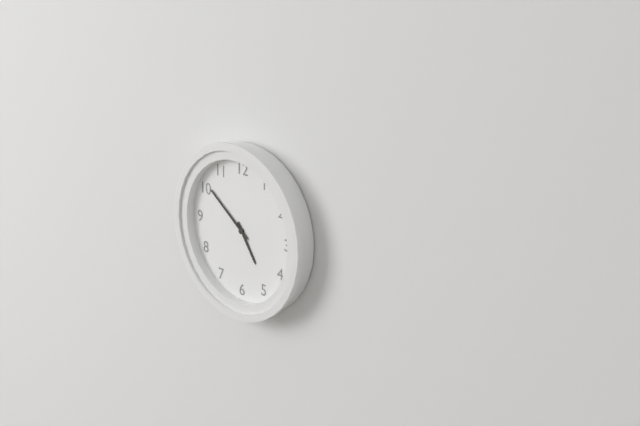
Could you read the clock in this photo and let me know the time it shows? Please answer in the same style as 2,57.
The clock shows 4,51
